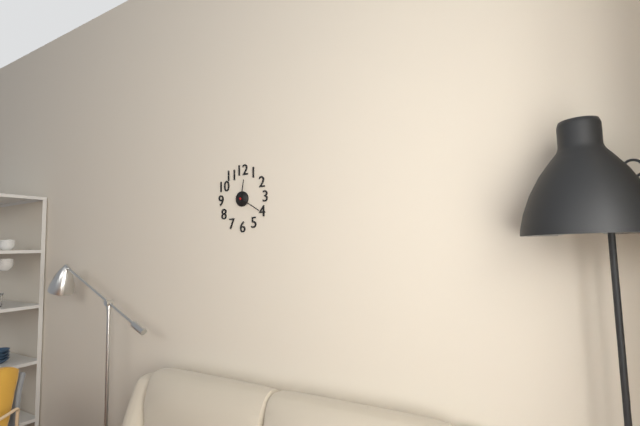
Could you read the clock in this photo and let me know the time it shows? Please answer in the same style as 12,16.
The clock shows 12,20
